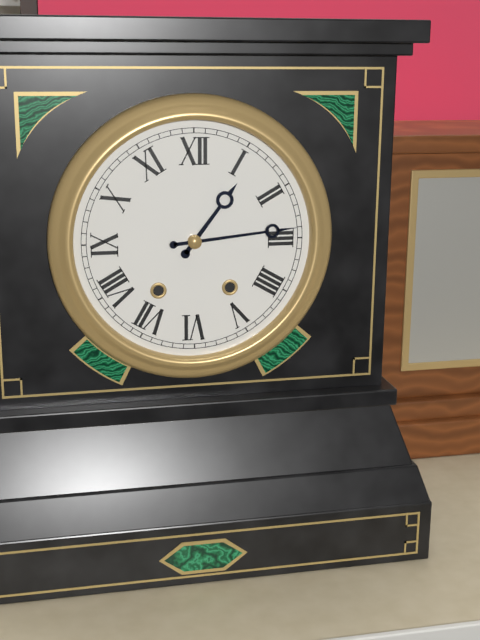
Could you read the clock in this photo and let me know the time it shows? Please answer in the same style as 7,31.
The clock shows 1,14
